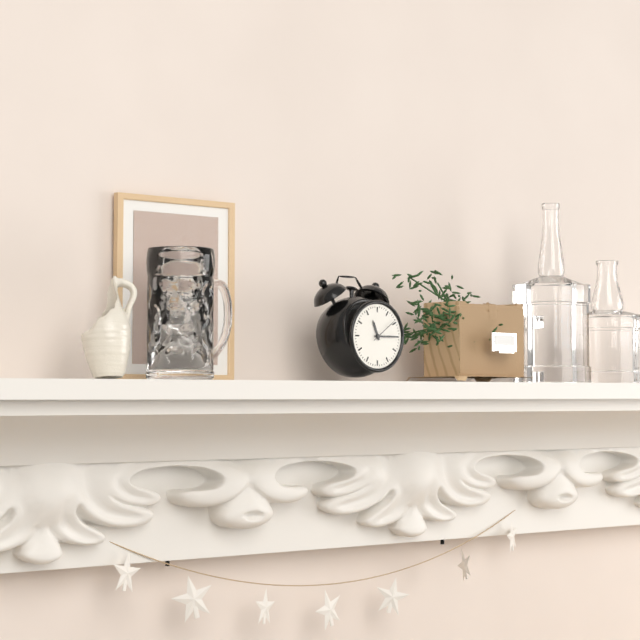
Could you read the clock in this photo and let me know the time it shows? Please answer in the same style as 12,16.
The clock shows 11,15
